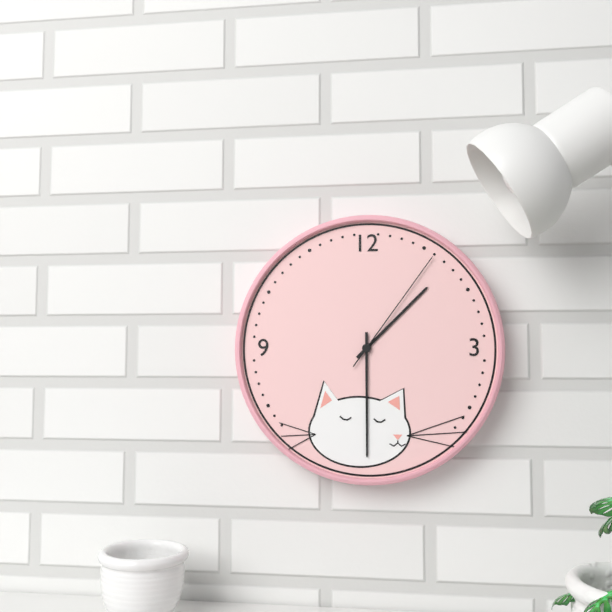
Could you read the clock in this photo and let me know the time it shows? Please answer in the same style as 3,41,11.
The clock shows 1,30,06
